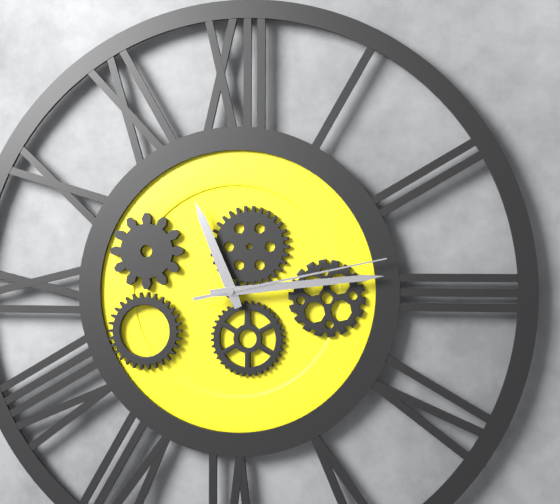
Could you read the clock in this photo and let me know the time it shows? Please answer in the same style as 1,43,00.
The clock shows 11,14,13
